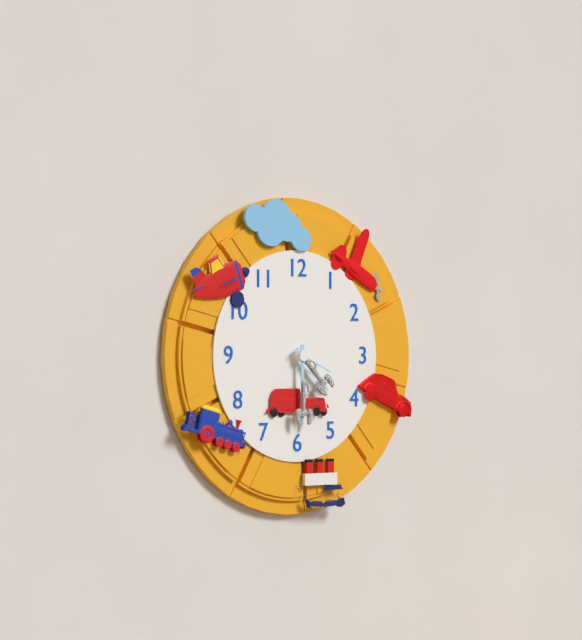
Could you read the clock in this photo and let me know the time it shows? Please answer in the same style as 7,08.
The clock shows 4,30
